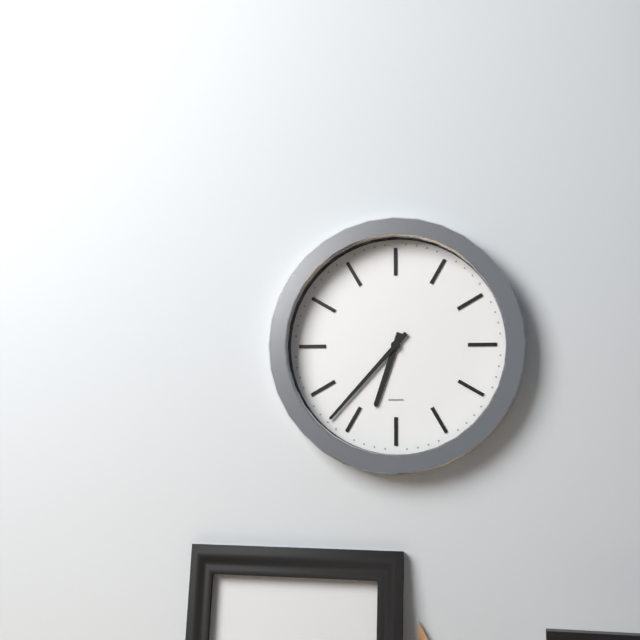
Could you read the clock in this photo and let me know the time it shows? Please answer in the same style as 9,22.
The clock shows 6,37
